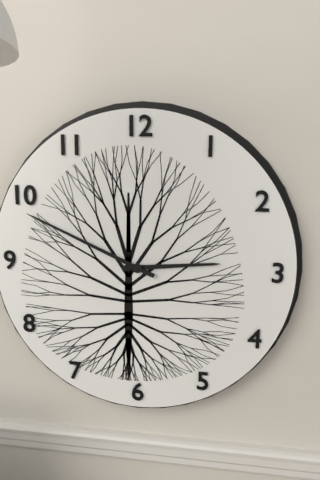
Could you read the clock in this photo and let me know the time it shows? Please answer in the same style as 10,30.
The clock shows 2,49
